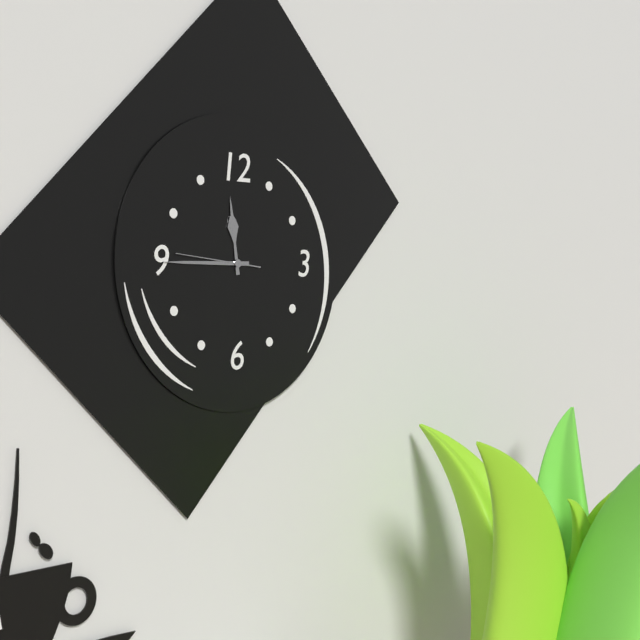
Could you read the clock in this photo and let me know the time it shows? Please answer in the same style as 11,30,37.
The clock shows 11,45,46
